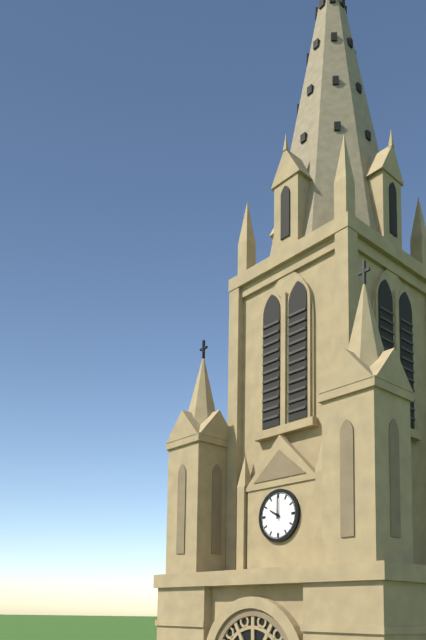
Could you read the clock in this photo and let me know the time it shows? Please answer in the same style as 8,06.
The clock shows 10,00
